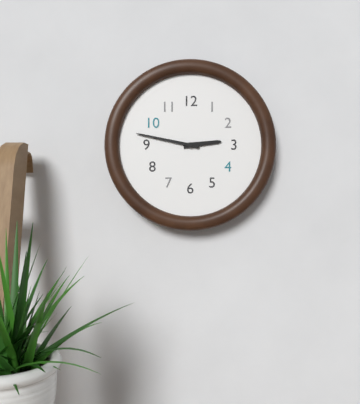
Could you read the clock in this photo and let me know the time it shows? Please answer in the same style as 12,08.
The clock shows 2,47
